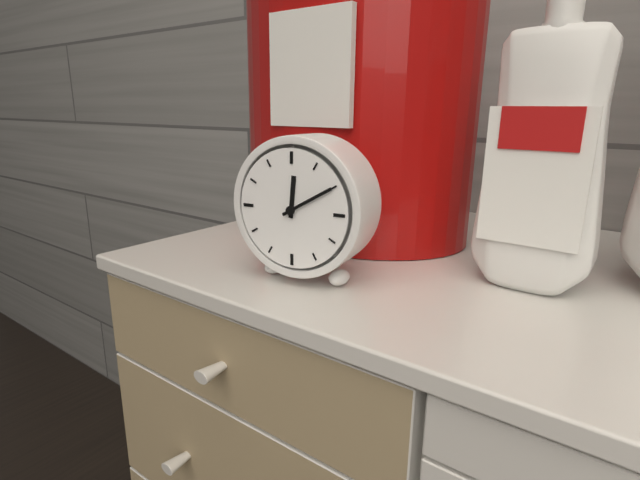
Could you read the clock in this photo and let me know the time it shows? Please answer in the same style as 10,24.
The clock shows 12,10
